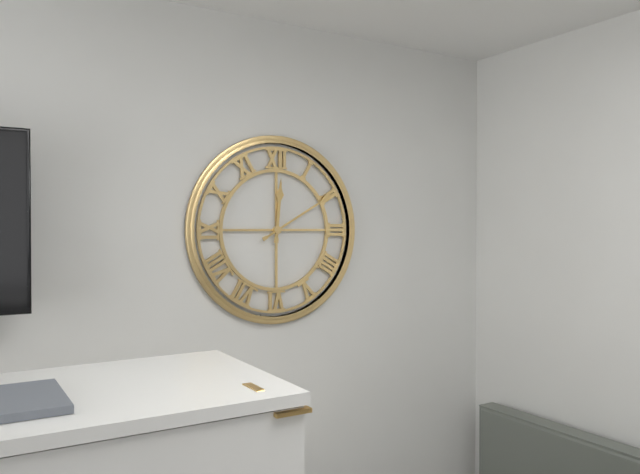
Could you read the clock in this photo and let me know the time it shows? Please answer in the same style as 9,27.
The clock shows 12,10
